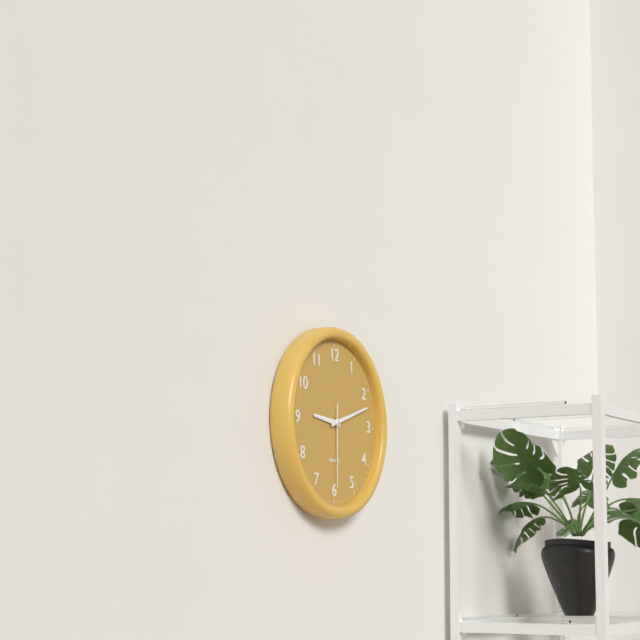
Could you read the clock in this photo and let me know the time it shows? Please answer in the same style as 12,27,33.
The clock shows 9,12,30
